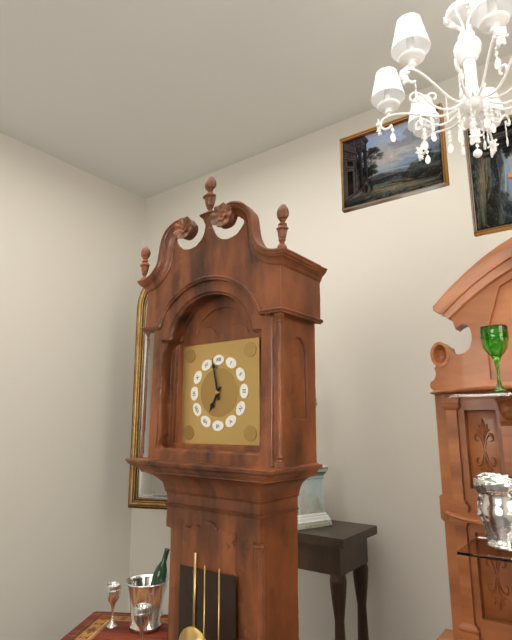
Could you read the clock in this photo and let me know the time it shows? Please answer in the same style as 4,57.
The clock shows 6,58
